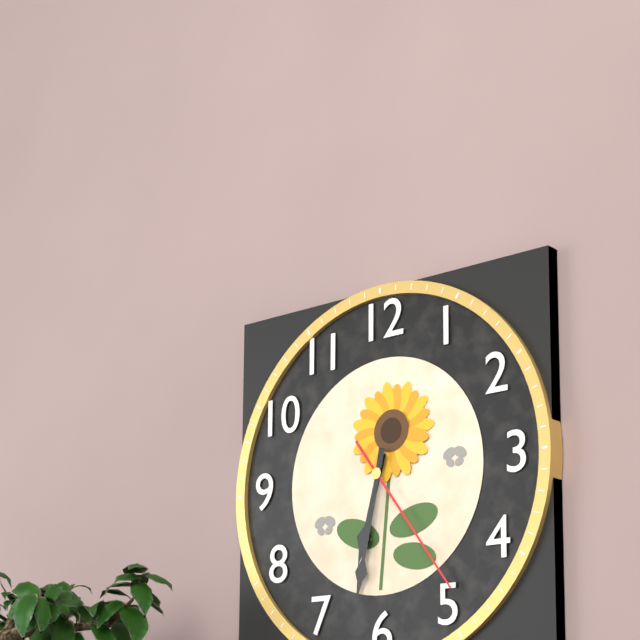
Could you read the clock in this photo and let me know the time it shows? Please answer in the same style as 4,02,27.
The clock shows 6,32,24
